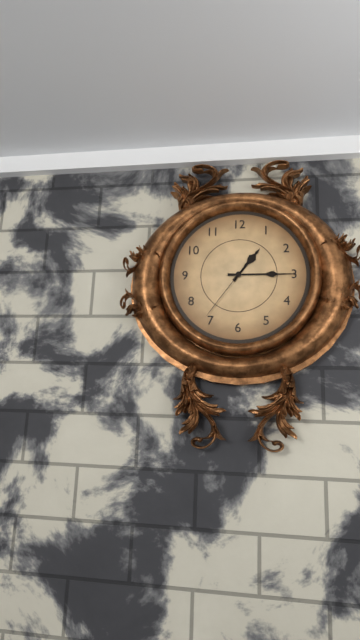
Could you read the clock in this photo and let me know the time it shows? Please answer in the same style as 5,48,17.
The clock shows 1,15,36
